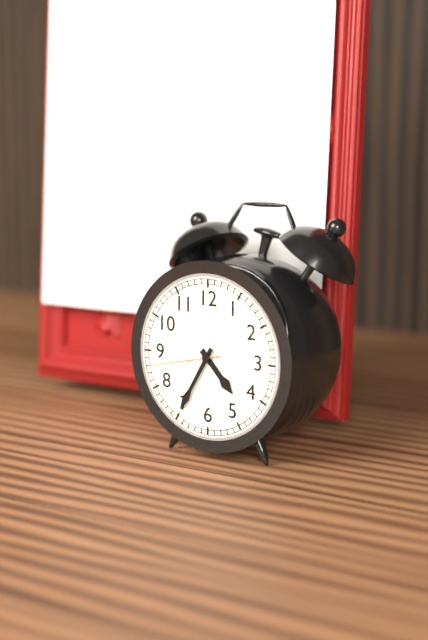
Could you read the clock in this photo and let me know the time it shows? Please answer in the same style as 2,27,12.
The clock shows 4,35,43
